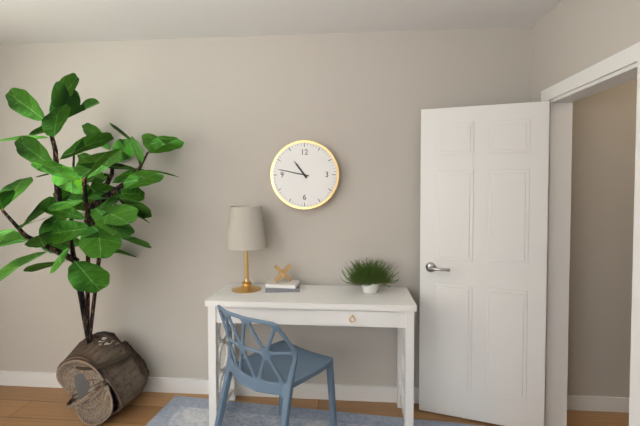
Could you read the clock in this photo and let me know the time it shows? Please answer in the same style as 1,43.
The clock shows 10,47
